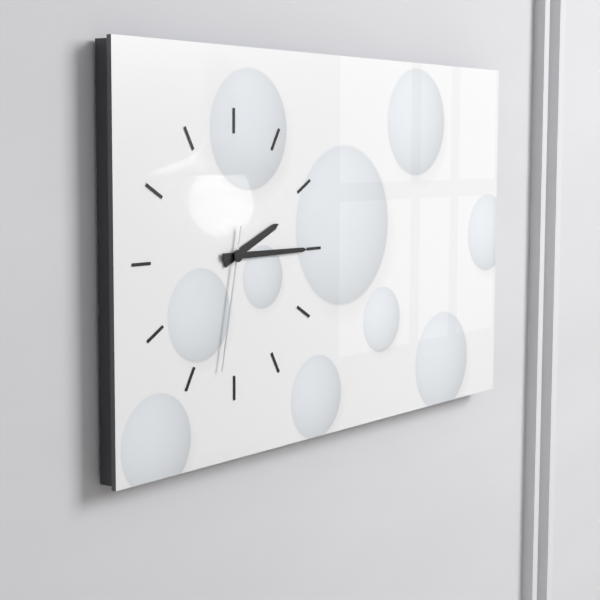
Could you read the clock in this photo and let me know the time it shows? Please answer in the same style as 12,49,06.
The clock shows 2,15,32
